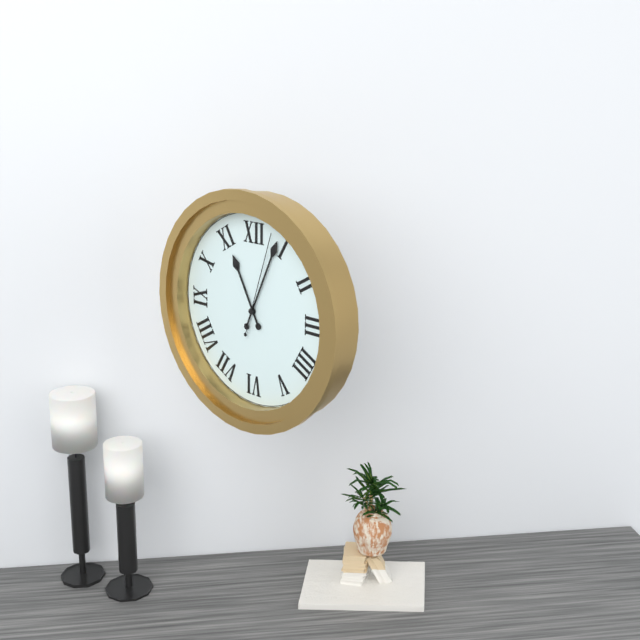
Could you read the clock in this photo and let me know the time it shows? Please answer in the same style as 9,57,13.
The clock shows 11,04,03
